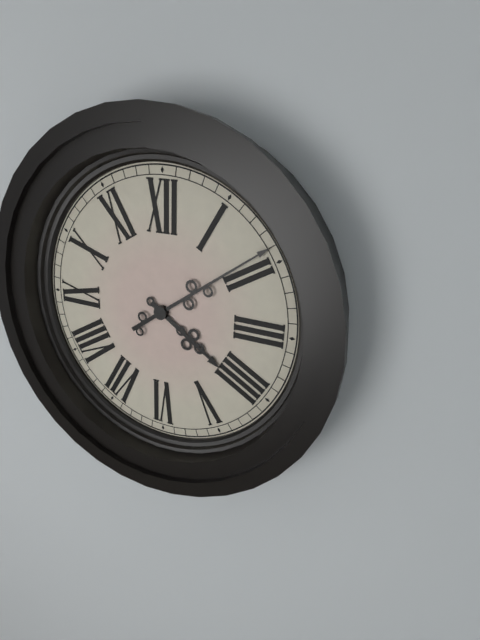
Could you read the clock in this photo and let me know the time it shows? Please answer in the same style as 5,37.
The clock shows 4,09
